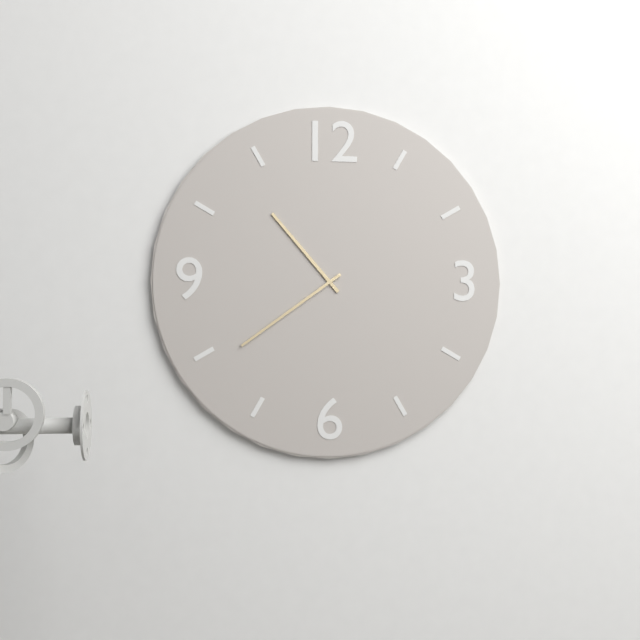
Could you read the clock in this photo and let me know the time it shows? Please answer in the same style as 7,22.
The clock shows 10,39
